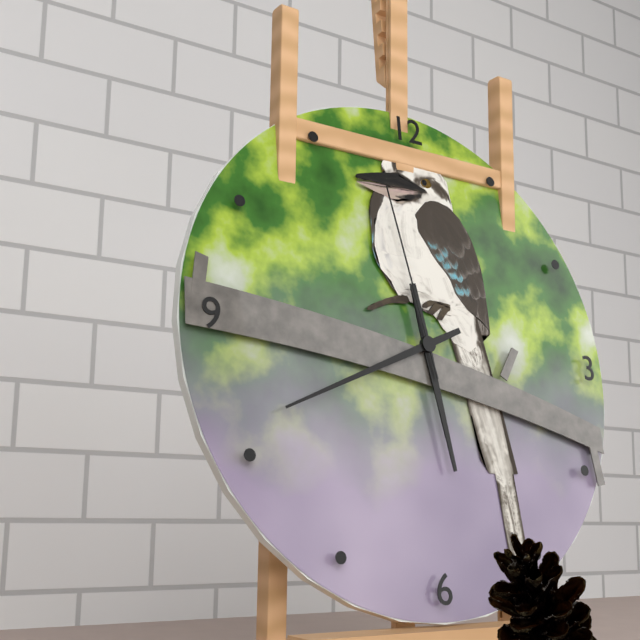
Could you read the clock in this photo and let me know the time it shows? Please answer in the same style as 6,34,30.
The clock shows 5,41,58
